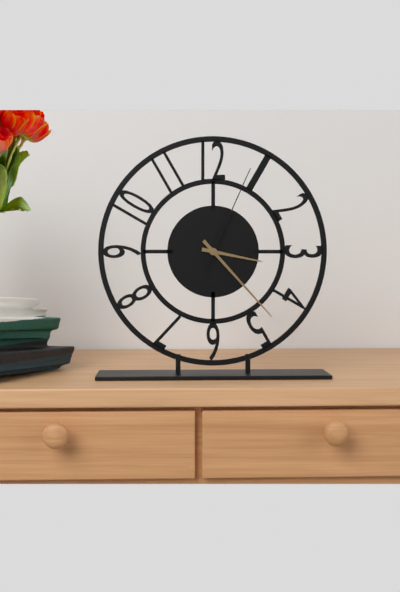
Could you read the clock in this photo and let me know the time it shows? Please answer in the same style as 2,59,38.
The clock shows 3,23,04
